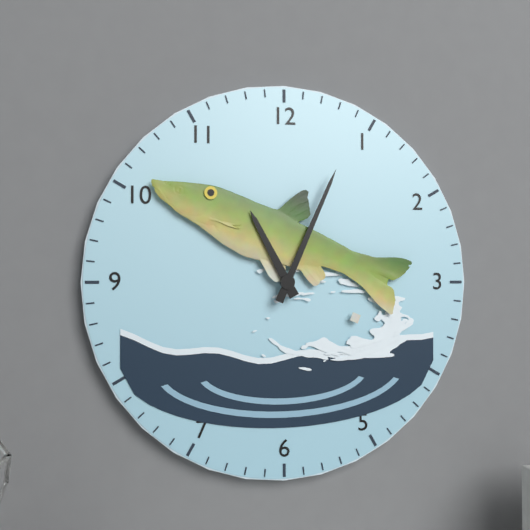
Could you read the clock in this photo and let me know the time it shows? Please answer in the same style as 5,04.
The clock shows 11,04
